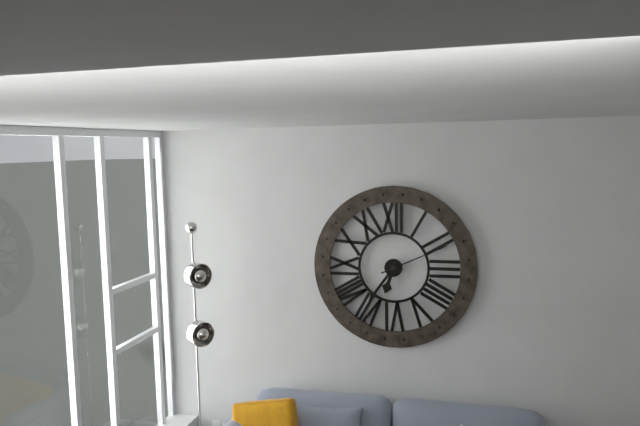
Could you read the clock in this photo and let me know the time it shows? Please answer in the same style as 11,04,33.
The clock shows 6,36,11
